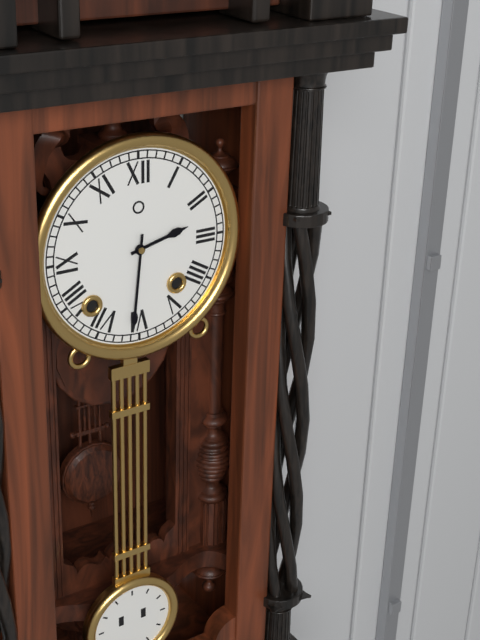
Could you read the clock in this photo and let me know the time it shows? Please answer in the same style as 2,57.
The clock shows 2,31
